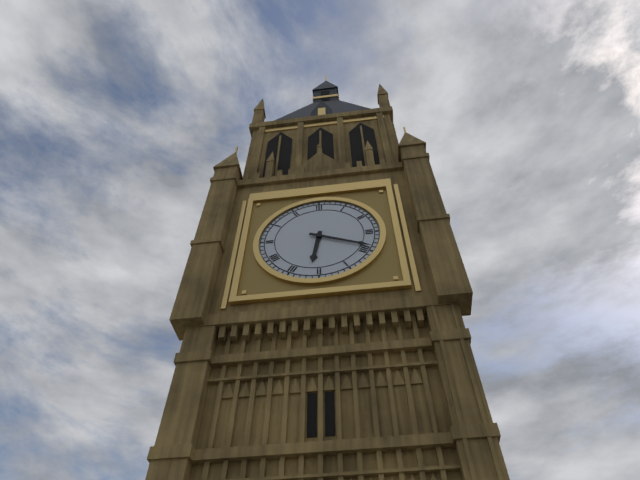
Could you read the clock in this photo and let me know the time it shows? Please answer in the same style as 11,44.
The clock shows 6,19
